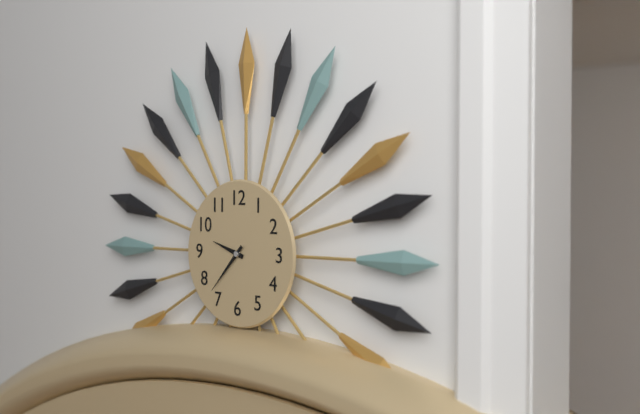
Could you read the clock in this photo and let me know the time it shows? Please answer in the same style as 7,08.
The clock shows 9,37
